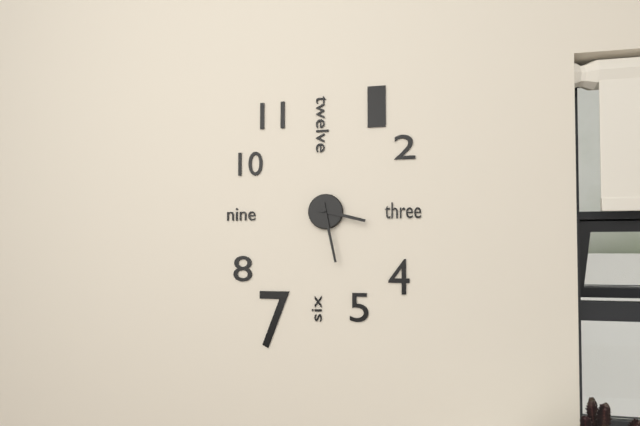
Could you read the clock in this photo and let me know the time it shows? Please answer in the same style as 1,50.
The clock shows 3,28
